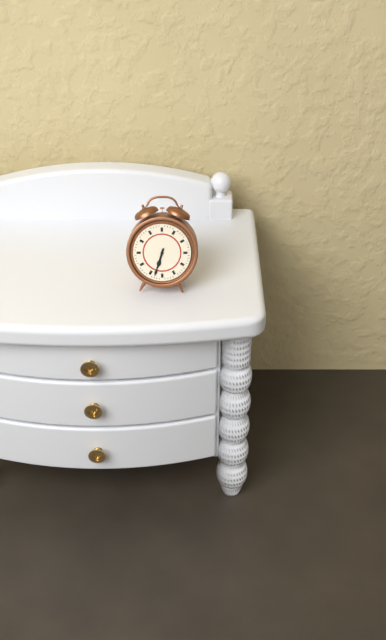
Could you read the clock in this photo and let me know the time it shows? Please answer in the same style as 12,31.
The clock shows 6,33
